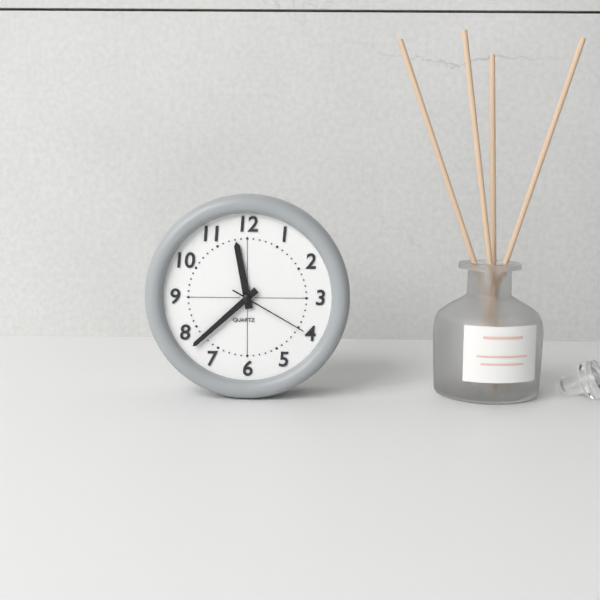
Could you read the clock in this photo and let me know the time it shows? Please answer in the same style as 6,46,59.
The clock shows 11,38,20
